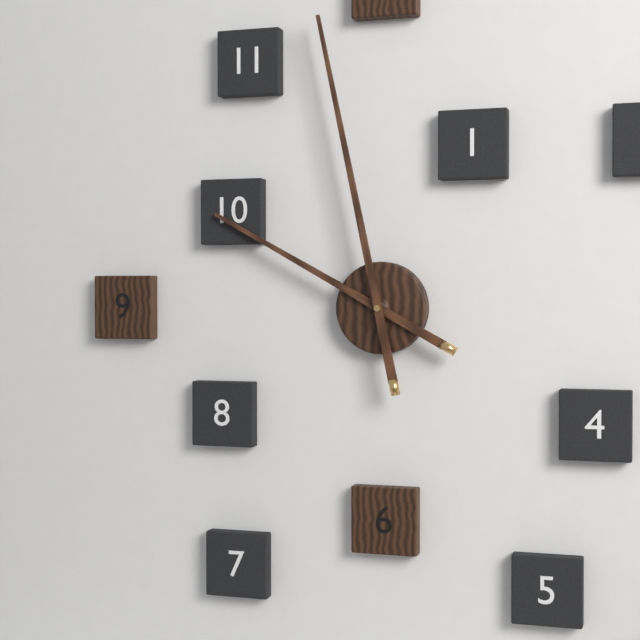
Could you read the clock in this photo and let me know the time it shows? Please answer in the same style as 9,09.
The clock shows 9,58
